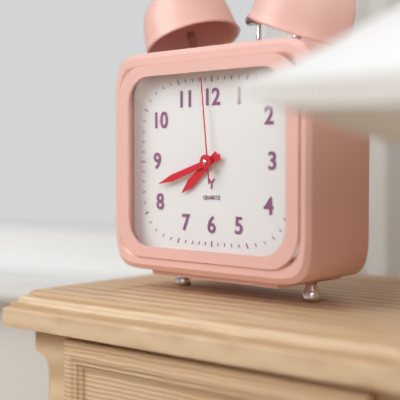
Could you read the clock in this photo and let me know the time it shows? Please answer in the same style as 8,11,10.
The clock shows 7,42,59
